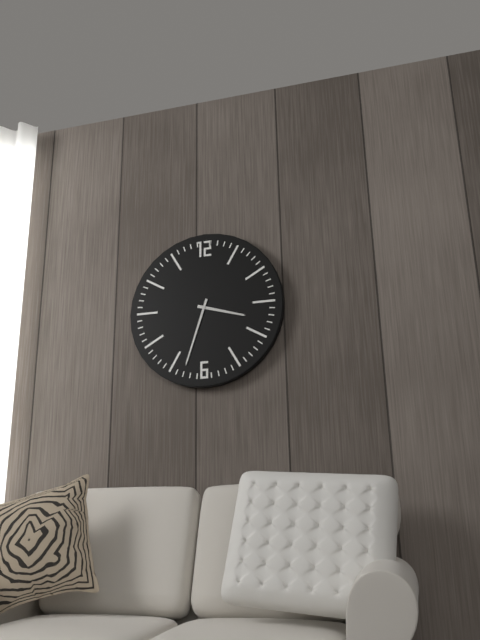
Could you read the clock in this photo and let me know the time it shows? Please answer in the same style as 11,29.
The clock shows 3,33
